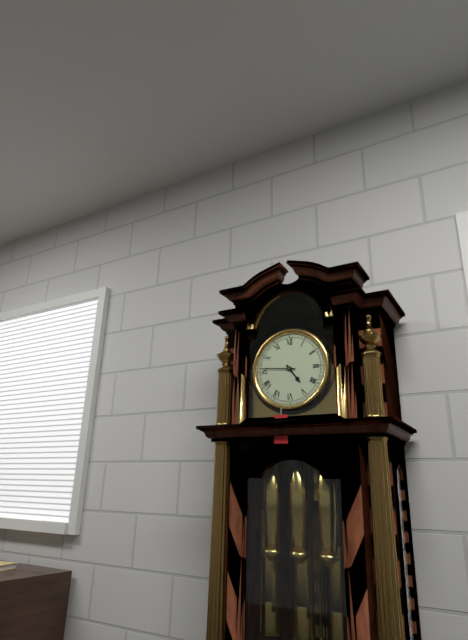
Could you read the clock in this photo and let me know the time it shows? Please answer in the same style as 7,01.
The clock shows 4,46
